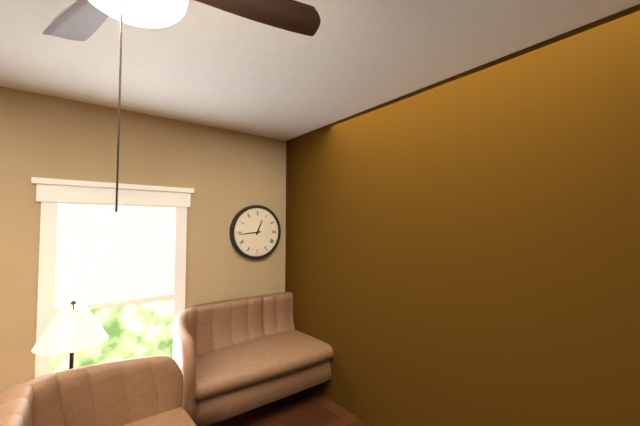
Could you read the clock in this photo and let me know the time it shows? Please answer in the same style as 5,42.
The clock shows 12,44
